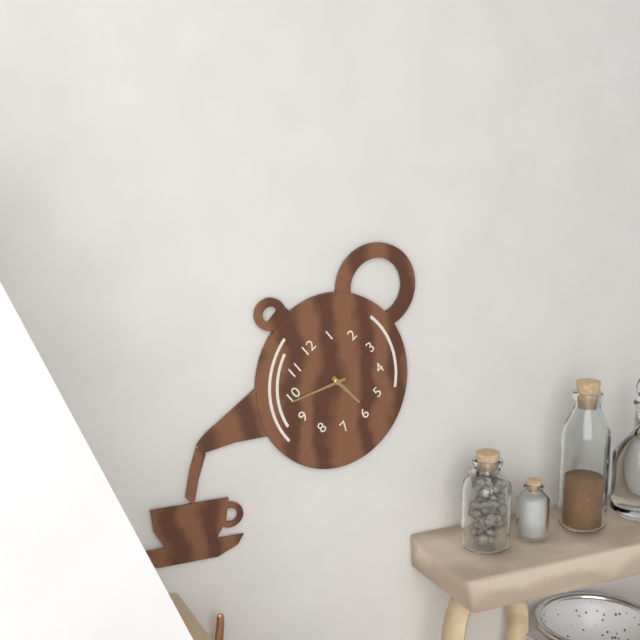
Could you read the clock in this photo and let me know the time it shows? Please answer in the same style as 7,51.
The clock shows 5,49
